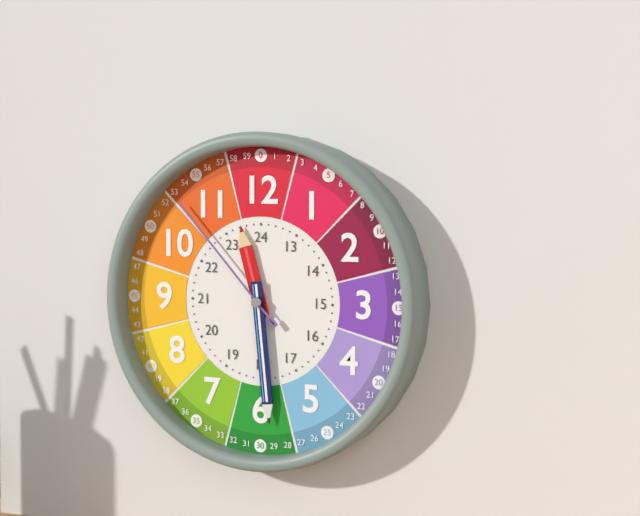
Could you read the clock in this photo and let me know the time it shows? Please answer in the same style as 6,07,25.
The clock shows 11,29,53
